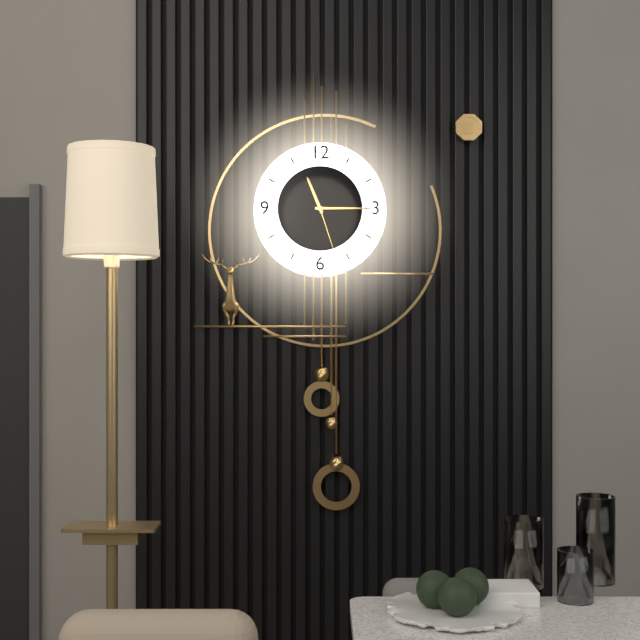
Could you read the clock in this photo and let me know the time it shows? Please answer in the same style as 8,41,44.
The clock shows 11,15,27
